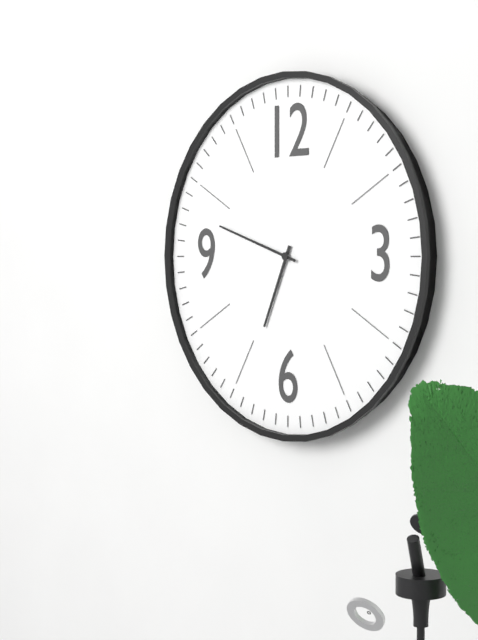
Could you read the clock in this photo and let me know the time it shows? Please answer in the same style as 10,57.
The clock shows 6,48
